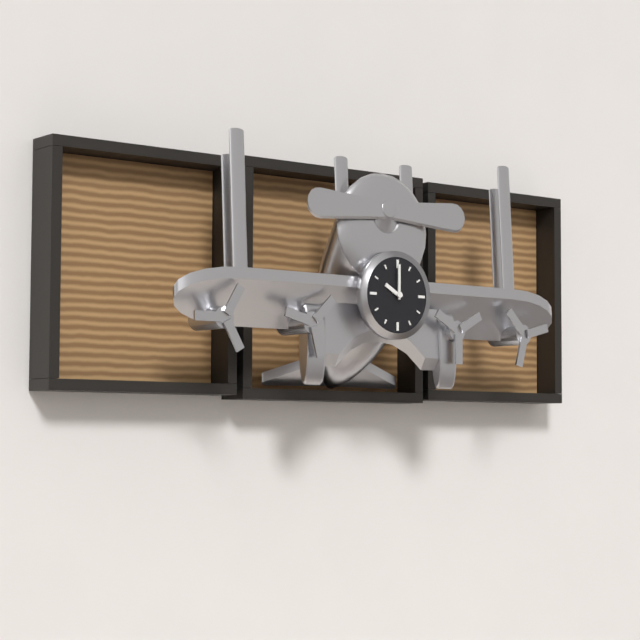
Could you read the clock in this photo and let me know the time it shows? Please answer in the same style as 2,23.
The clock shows 10,00
